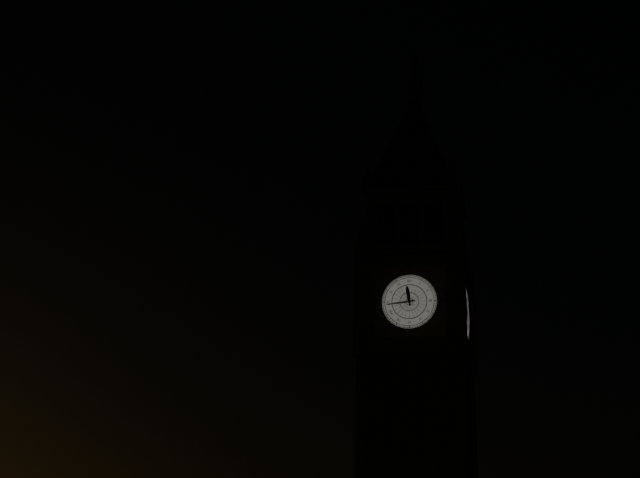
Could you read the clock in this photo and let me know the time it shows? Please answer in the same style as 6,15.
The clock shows 11,44
